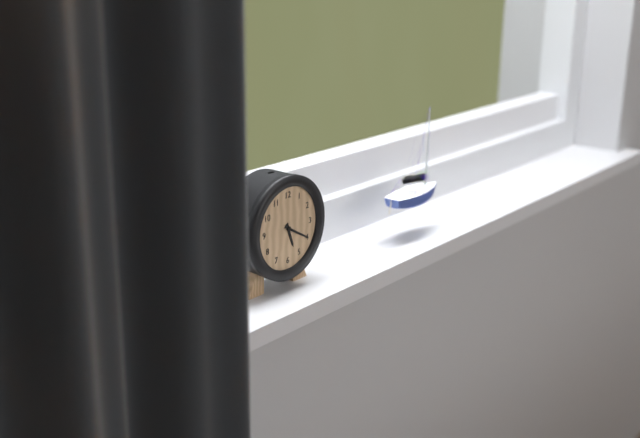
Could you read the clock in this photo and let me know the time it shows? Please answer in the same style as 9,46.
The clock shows 5,20
